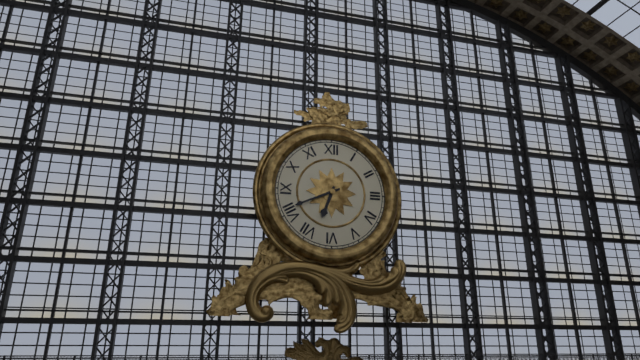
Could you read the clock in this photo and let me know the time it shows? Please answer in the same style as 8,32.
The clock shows 6,41
